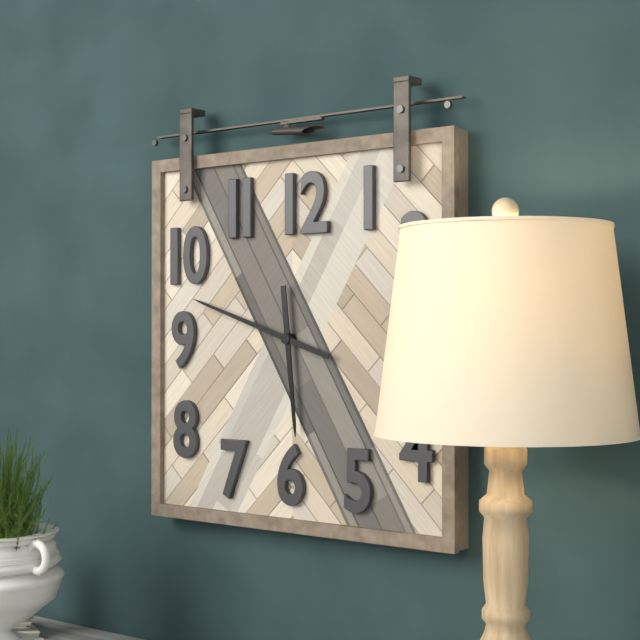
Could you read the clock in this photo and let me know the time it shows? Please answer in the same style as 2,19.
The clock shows 5,48
